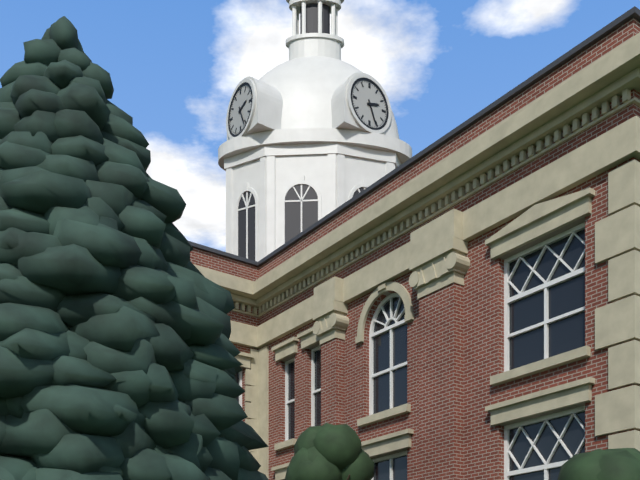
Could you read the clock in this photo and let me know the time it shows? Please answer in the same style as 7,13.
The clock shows 2,26
